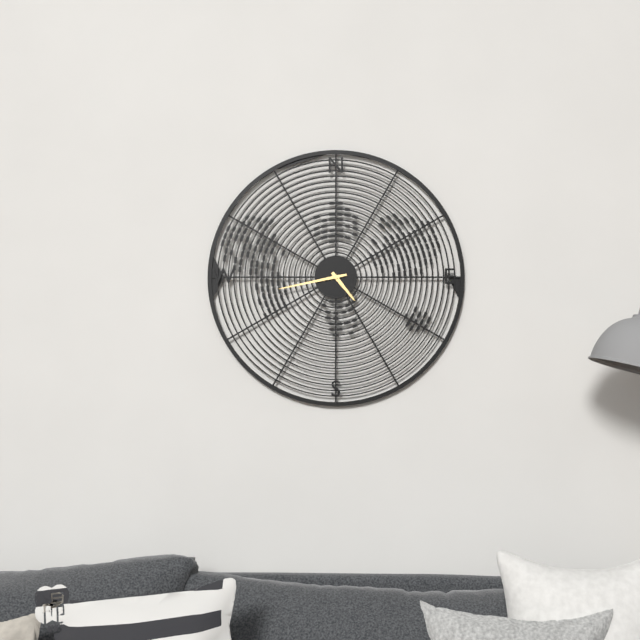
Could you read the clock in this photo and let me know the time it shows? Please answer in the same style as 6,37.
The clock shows 4,43
